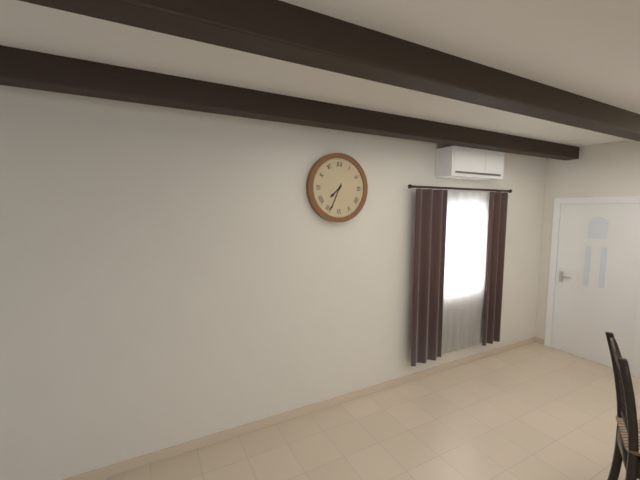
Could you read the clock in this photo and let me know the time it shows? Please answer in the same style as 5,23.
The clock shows 7,34
